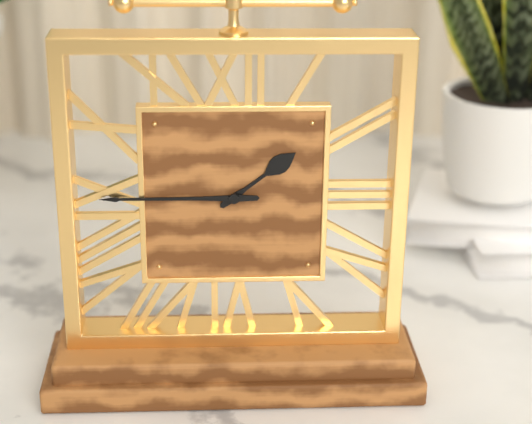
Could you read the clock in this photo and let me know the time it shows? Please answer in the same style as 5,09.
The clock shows 1,45
